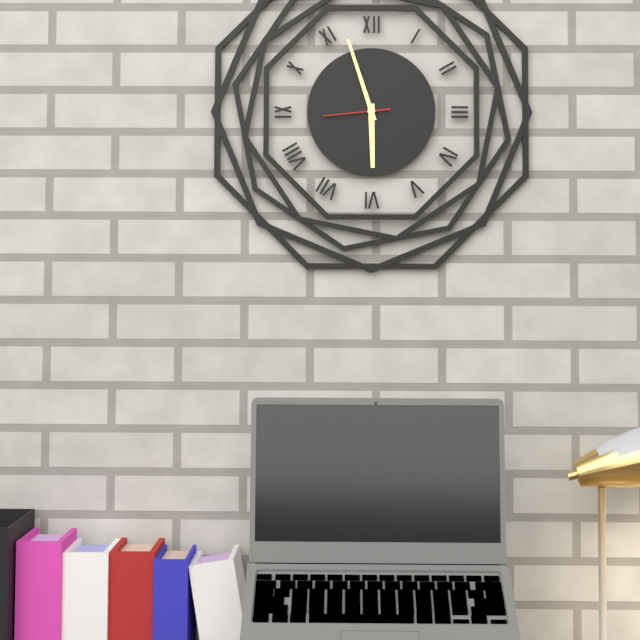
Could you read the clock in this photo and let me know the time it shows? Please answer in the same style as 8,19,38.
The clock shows 5,57,44
